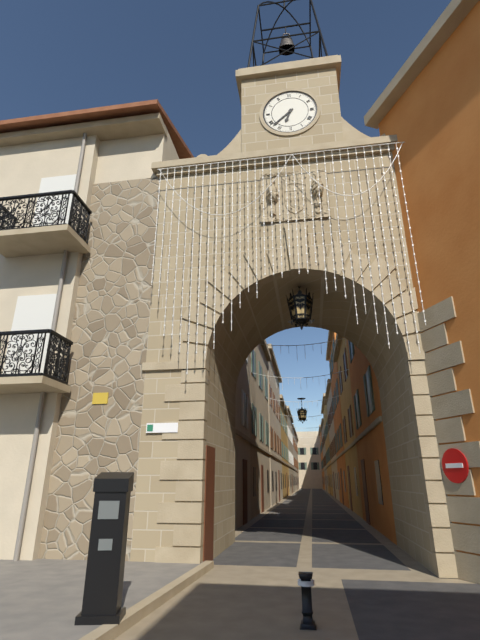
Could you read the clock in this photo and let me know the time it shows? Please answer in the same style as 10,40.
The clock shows 6,38
